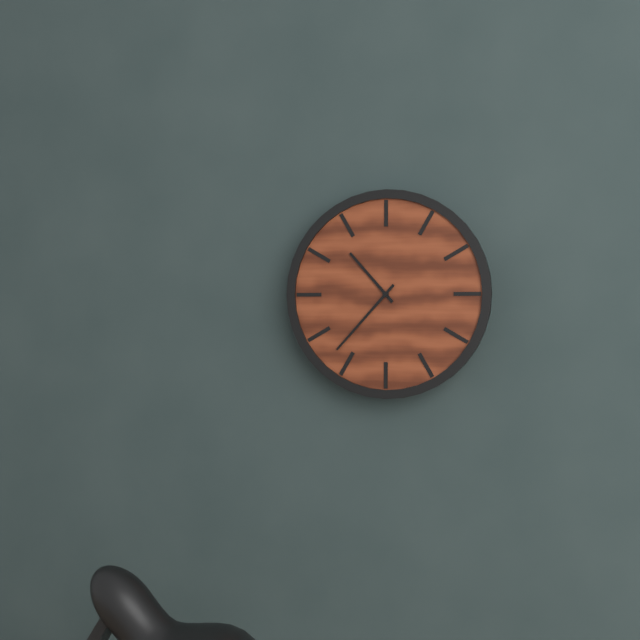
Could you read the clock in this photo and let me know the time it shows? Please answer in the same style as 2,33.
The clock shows 10,37
